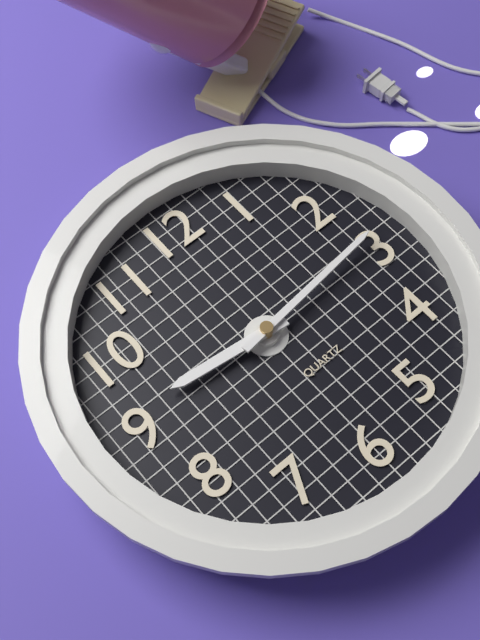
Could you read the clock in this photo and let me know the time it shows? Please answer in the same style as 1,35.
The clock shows 9,14
